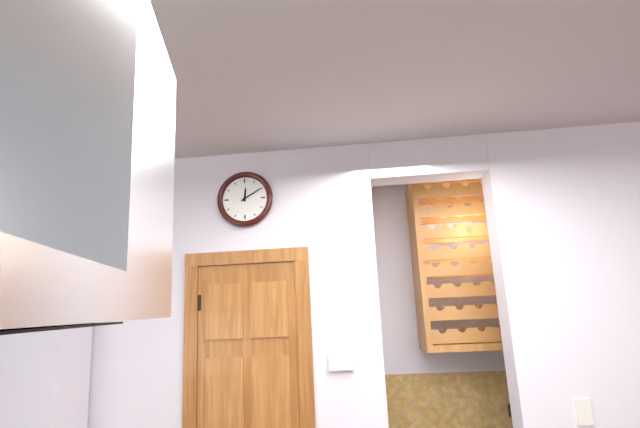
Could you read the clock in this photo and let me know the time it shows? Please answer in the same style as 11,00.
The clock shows 12,10
